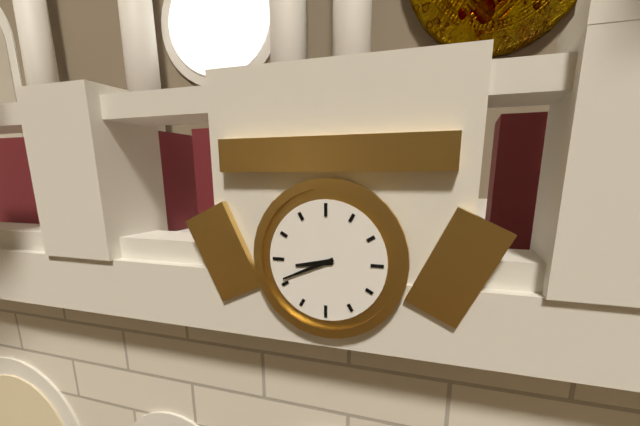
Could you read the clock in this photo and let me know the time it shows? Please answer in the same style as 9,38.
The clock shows 8,41
